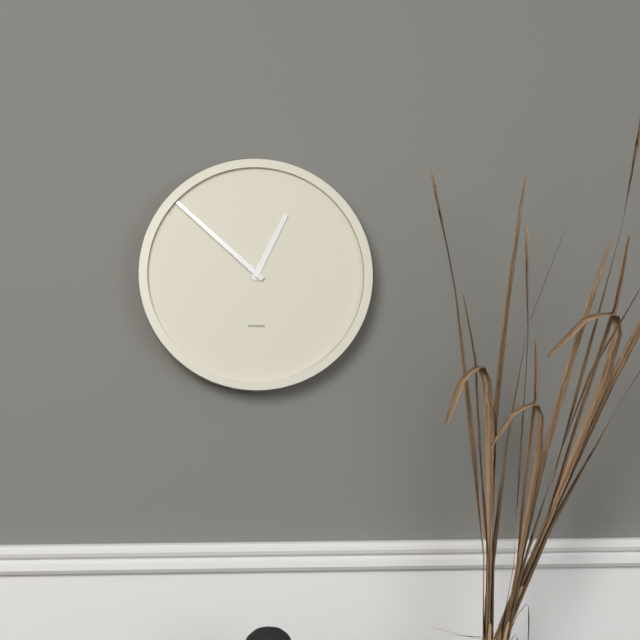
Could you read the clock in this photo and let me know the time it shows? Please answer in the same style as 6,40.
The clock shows 12,52
